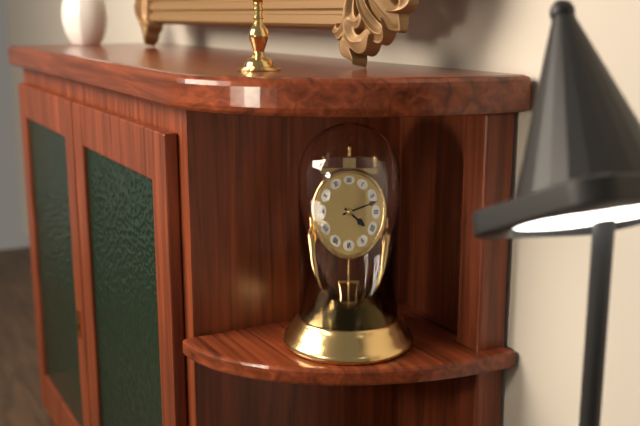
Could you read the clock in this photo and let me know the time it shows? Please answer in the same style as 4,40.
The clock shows 4,12
